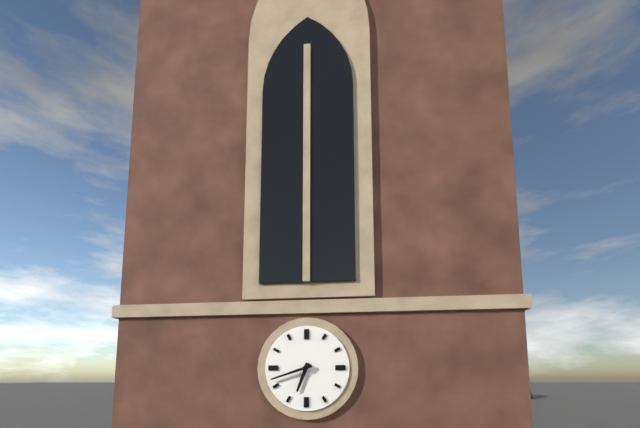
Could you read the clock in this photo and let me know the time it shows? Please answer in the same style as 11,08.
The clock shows 6,42
